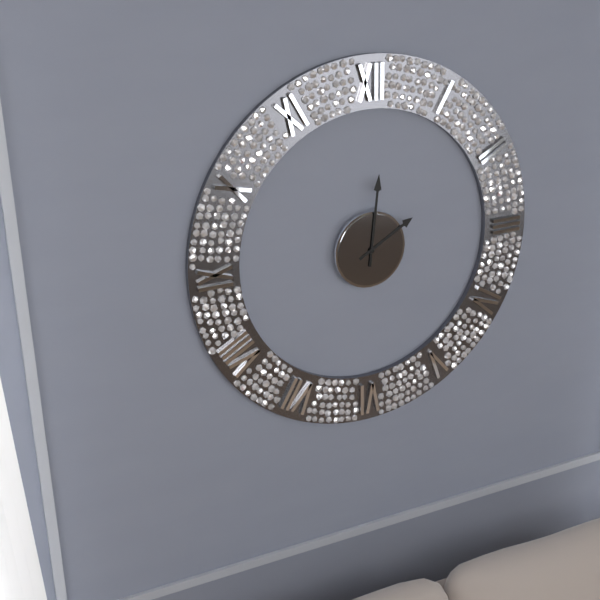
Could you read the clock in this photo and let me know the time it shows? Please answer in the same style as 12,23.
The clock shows 2,01
